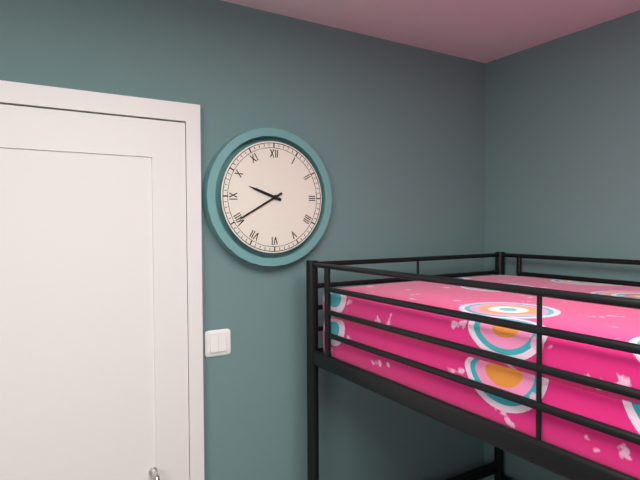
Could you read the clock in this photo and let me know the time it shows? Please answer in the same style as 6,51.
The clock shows 9,40
